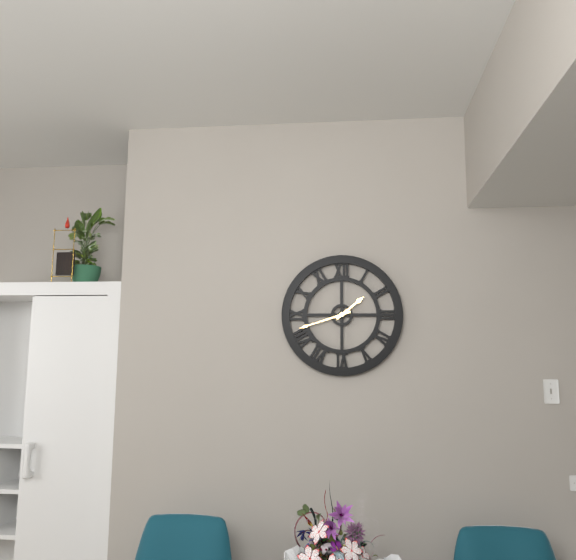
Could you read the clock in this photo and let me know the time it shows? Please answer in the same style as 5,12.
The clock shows 1,42
